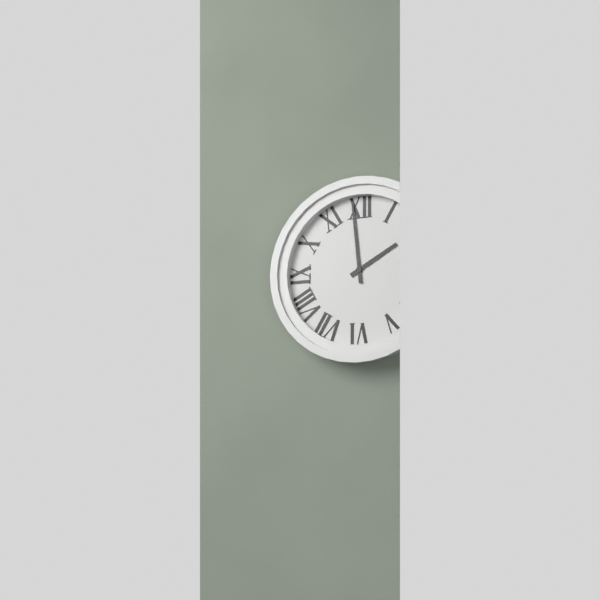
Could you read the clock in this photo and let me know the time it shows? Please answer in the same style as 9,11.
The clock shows 1,59
